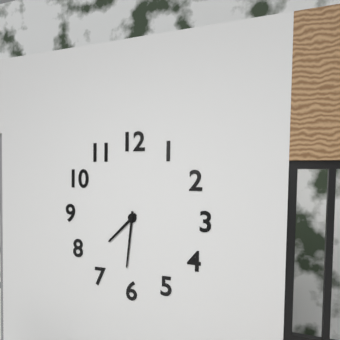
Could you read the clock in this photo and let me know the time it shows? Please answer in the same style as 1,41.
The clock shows 7,31
